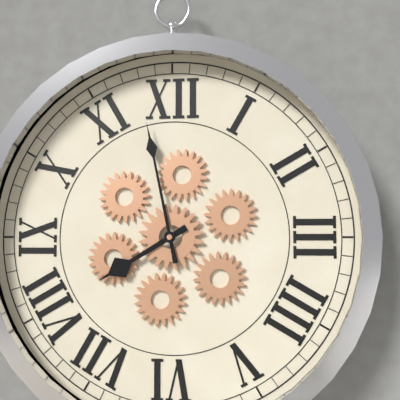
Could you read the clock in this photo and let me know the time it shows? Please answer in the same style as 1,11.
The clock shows 7,58
